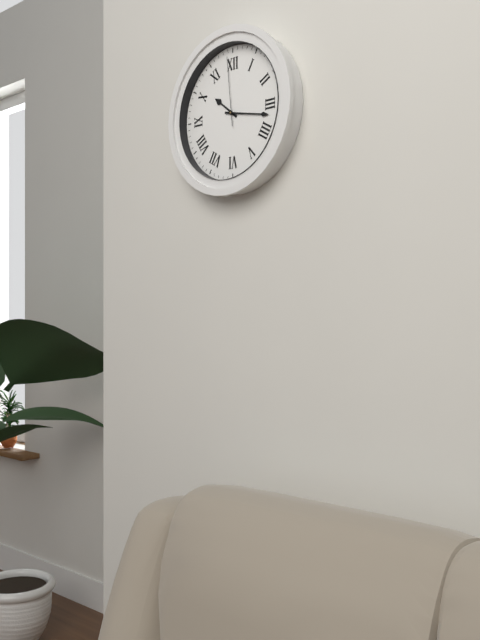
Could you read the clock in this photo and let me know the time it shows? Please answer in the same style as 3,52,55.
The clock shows 10,17,59
